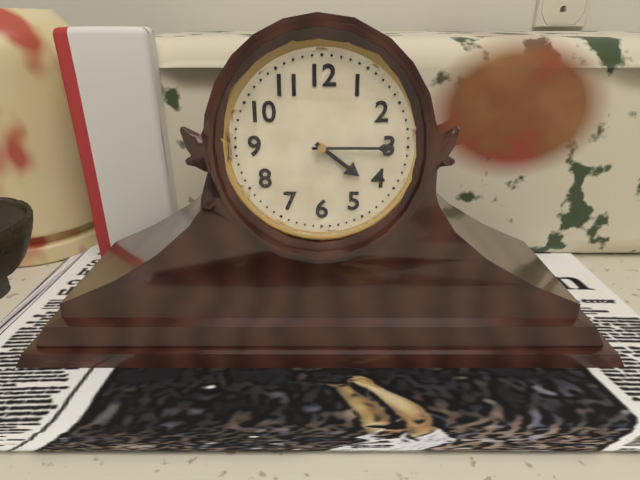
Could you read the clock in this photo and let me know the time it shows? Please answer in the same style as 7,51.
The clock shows 4,15
